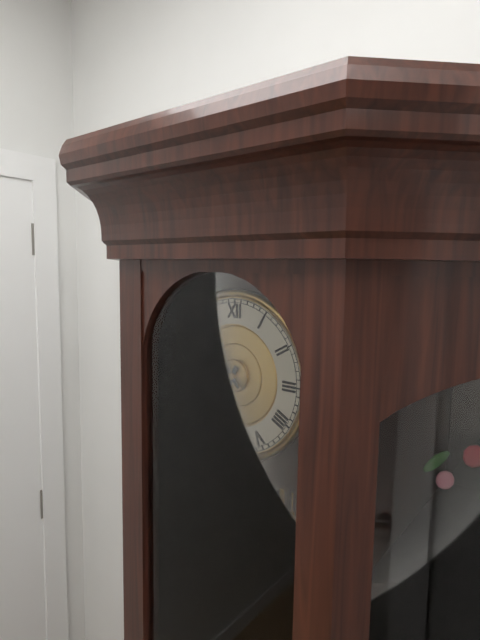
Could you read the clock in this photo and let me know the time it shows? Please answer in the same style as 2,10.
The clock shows 6,53
